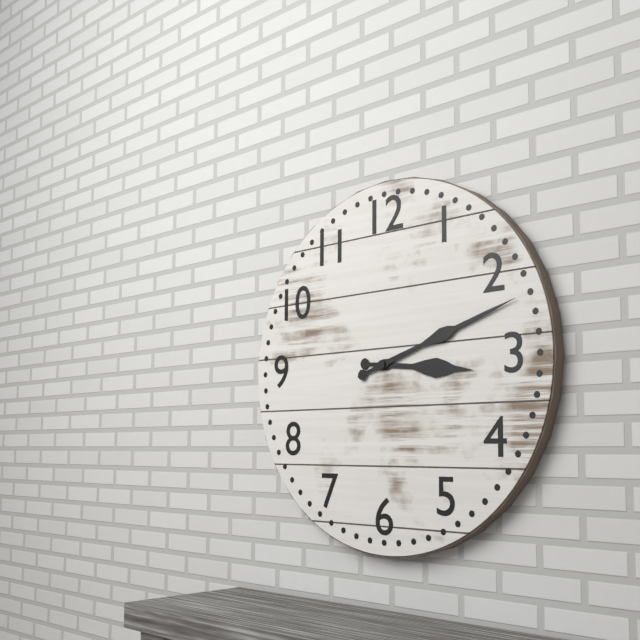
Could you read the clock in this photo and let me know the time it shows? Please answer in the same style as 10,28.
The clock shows 3,12
